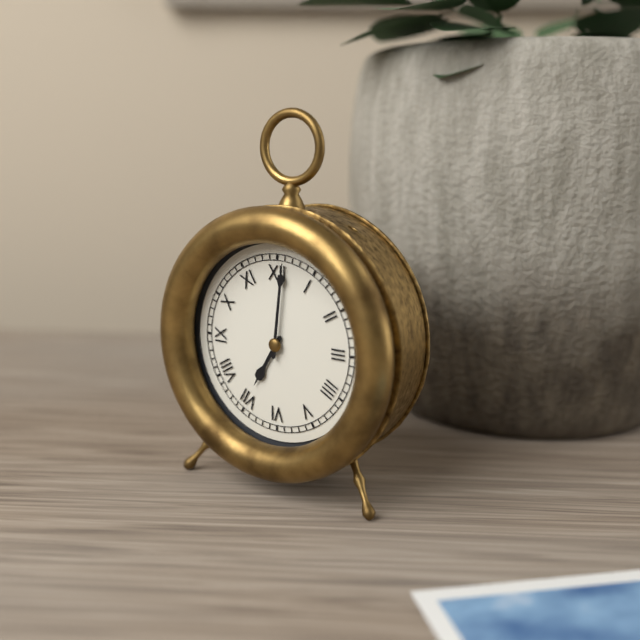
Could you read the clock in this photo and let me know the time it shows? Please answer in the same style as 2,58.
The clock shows 7,01
